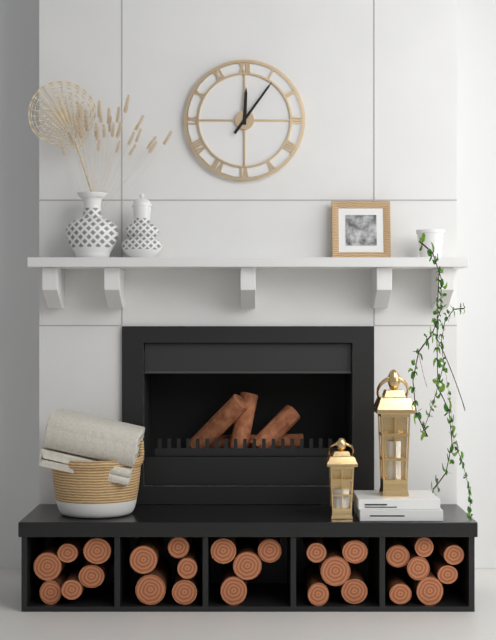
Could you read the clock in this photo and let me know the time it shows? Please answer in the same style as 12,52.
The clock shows 12,06
